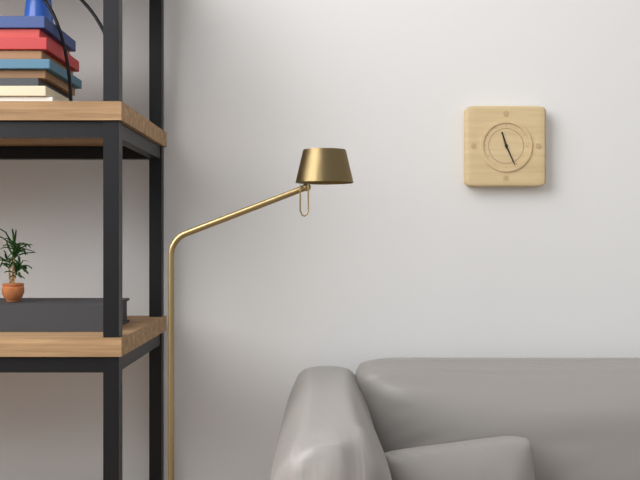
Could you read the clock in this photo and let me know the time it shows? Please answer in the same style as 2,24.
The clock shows 11,26
